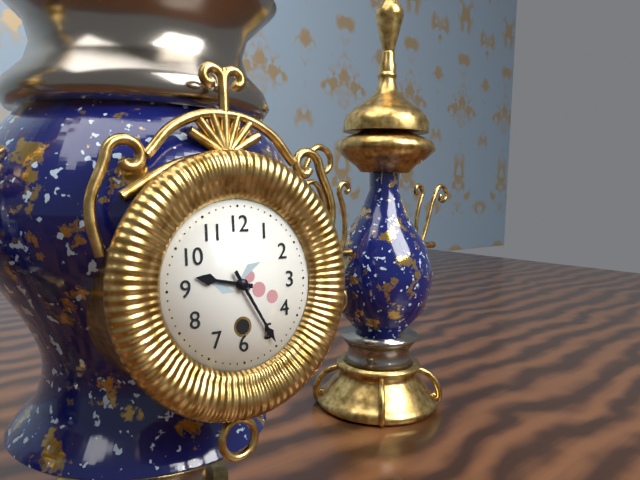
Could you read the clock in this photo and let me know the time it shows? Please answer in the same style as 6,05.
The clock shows 9,25
